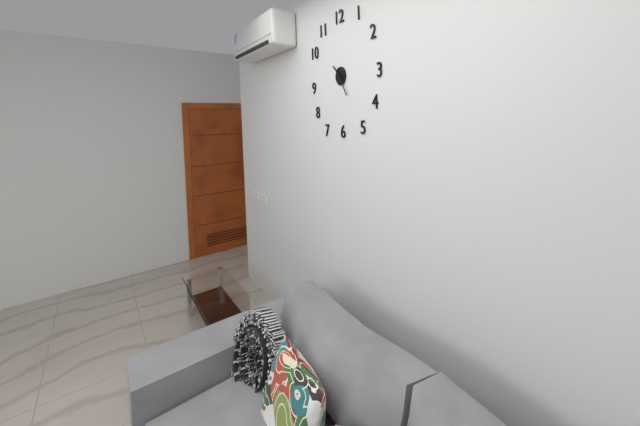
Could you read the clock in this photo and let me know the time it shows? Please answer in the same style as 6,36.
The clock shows 10,25
